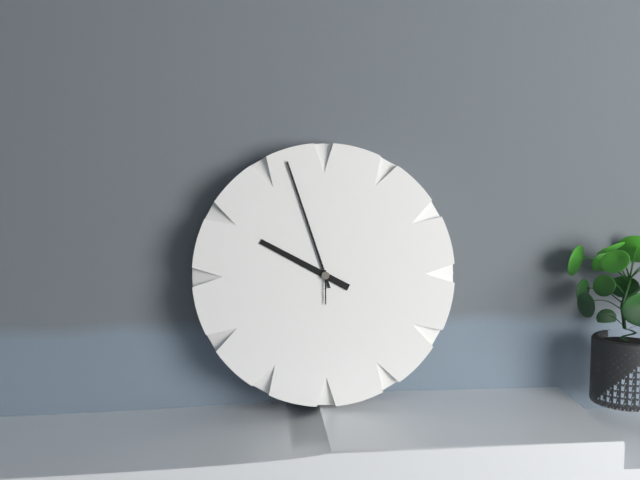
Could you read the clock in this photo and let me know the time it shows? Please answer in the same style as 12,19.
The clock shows 9,57
